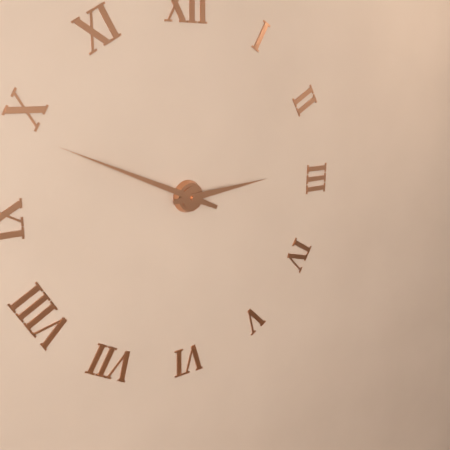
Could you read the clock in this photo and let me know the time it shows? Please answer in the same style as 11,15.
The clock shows 2,49
